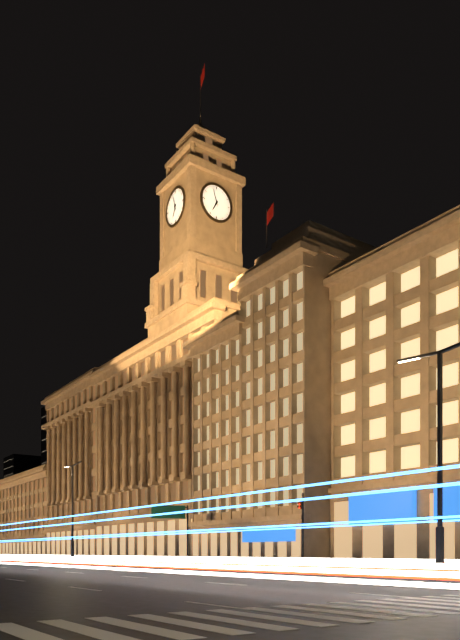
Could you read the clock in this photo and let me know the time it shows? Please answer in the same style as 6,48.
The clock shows 6,57
